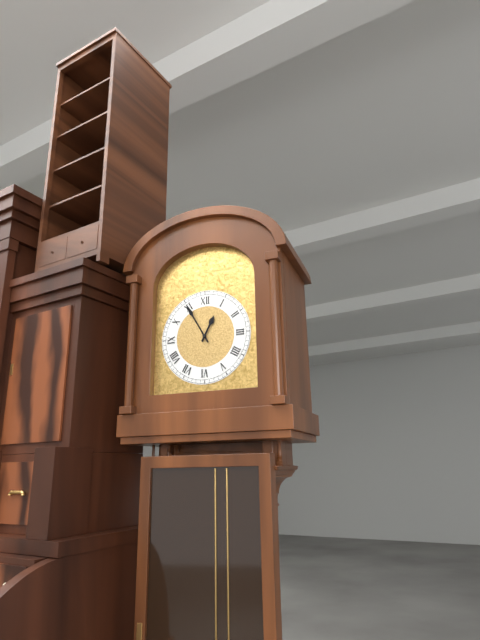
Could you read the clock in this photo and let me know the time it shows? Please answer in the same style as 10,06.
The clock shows 12,55
